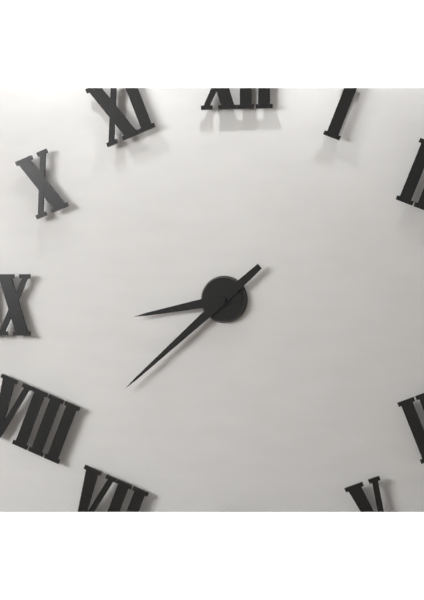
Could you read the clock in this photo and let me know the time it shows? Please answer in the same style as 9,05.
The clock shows 8,38
